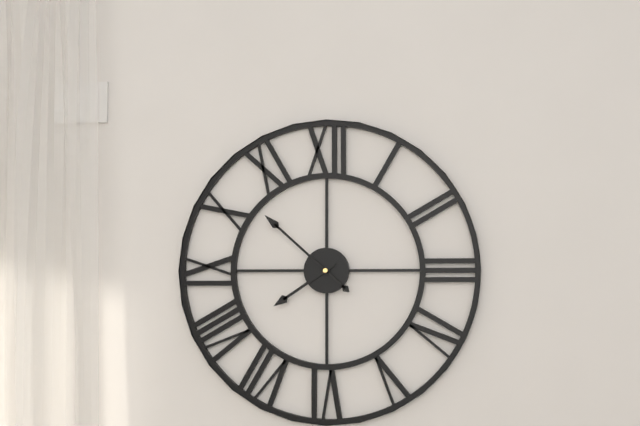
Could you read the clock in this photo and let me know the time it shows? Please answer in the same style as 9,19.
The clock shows 7,52
